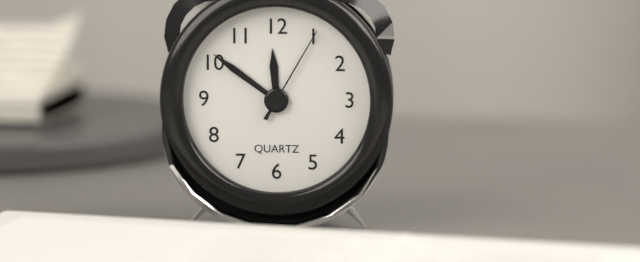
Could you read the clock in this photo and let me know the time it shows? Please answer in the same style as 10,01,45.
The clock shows 11,51,05
